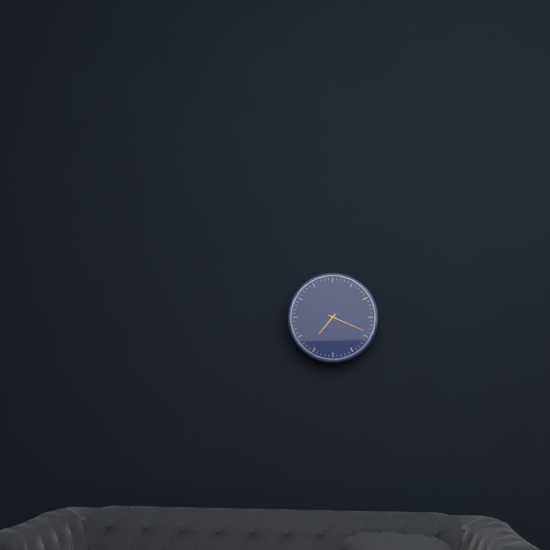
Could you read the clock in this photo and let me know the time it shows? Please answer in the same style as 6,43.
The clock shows 7,19
